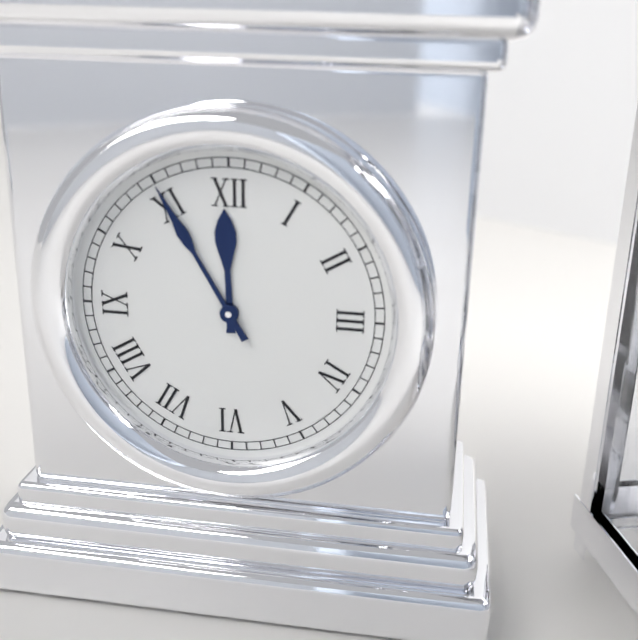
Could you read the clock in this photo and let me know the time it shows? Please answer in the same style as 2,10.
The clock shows 11,55
